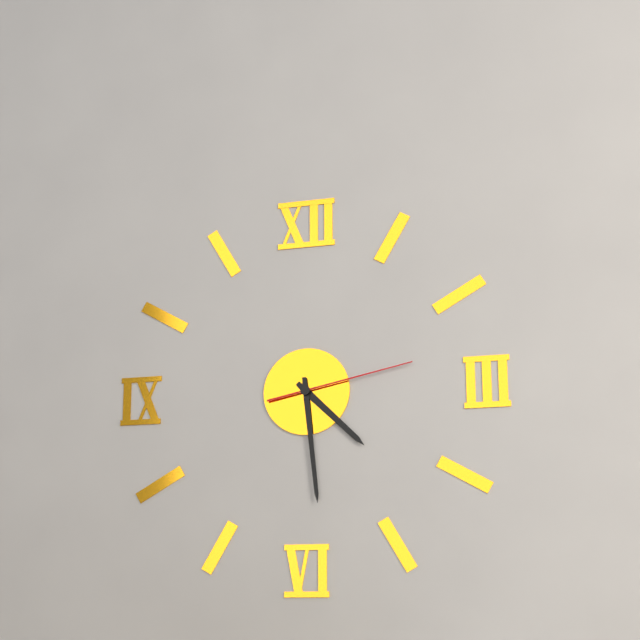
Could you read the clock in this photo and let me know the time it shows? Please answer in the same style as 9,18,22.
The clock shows 4,29,13
